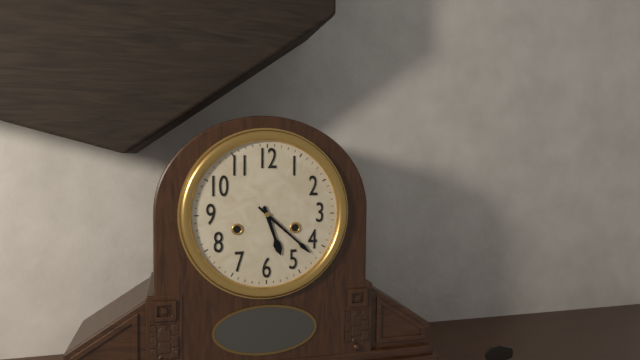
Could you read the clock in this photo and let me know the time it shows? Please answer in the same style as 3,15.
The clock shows 5,22
